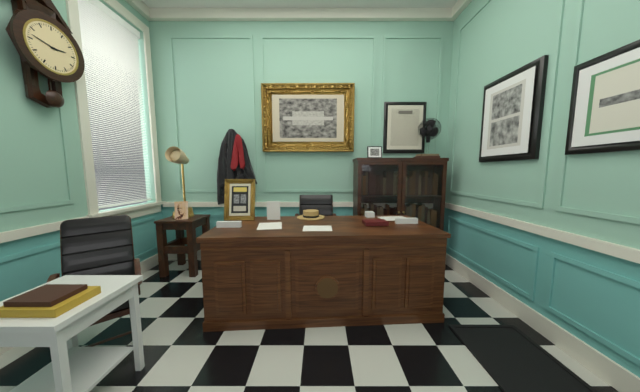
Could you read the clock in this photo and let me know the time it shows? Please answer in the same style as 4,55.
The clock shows 2,47
